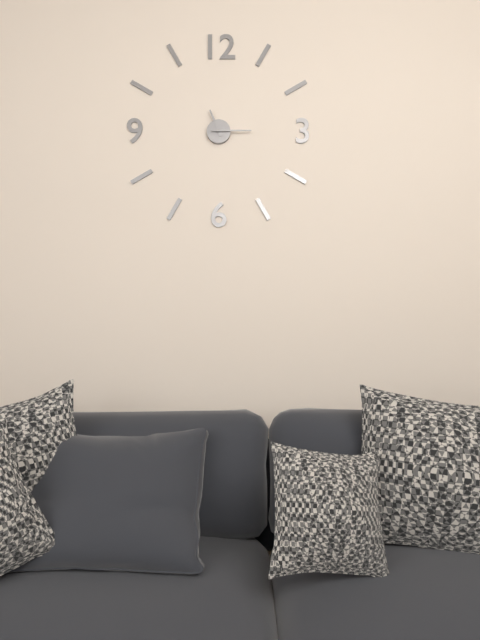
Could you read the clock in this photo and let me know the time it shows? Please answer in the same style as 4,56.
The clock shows 11,15
